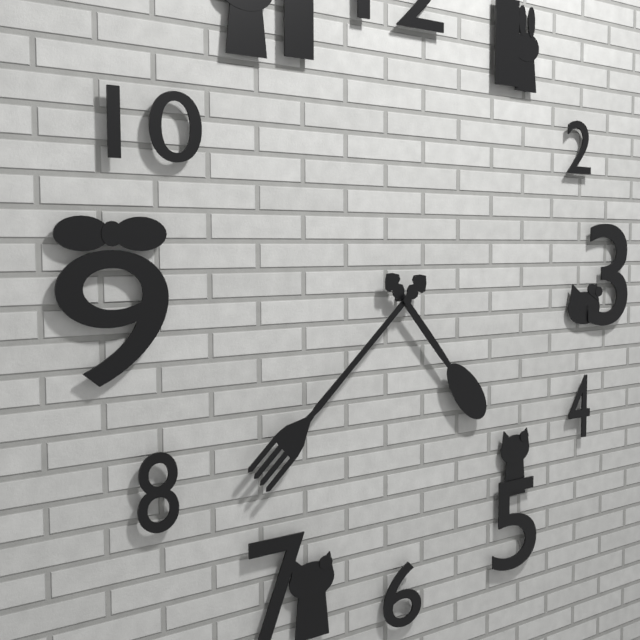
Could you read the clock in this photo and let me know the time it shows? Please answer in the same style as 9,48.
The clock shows 4,38
